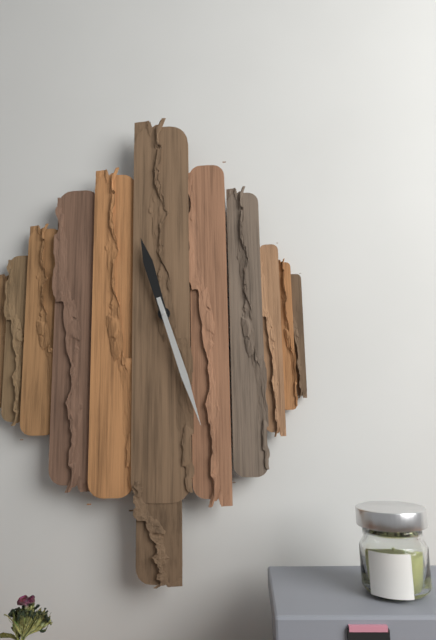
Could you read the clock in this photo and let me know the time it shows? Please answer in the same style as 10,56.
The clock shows 11,27
